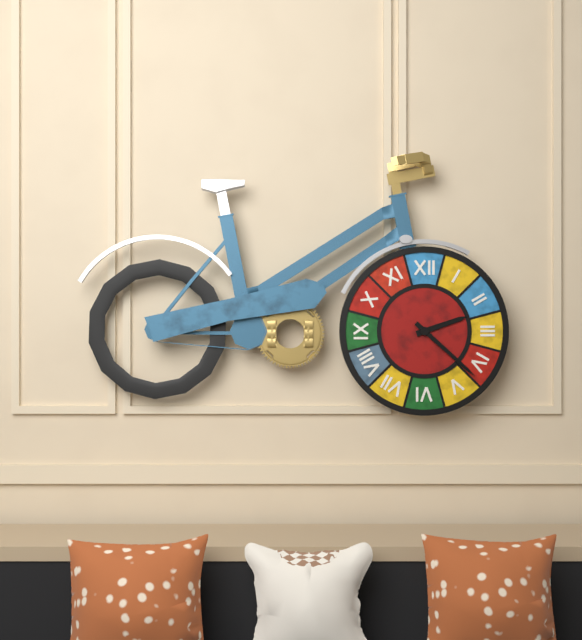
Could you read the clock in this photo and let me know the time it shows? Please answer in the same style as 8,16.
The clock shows 2,22
